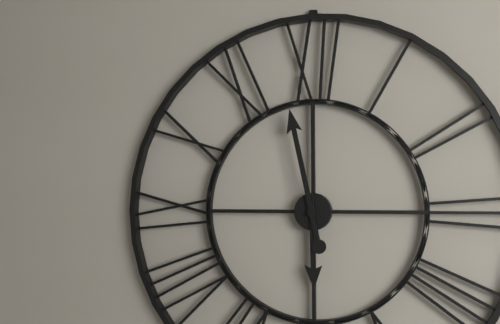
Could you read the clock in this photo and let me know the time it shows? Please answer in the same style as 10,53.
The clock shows 5,58
